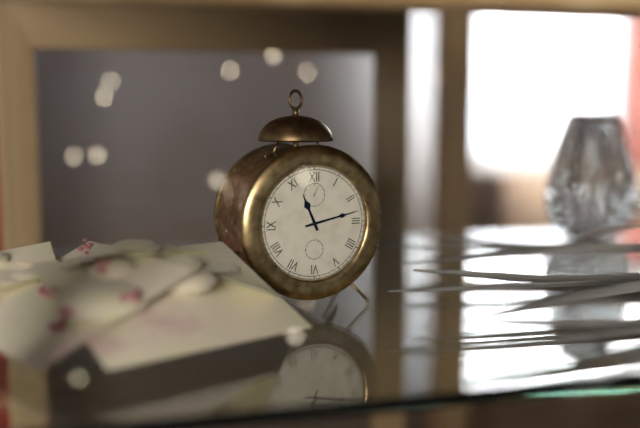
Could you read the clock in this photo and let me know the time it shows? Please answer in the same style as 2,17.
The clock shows 11,13
